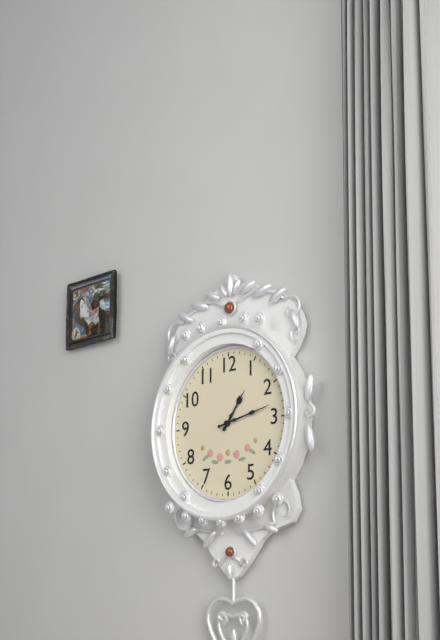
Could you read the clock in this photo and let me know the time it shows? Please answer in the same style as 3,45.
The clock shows 1,13
